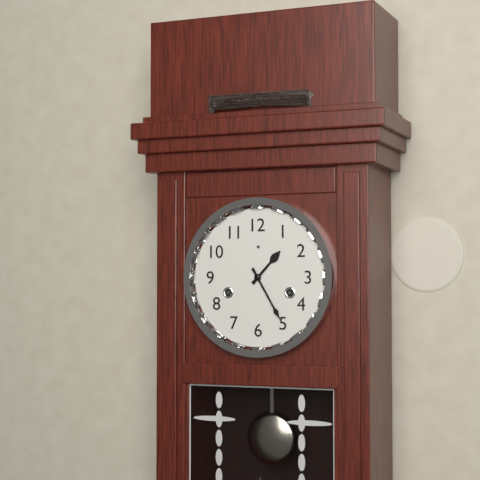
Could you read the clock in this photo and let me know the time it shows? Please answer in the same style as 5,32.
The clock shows 1,25
